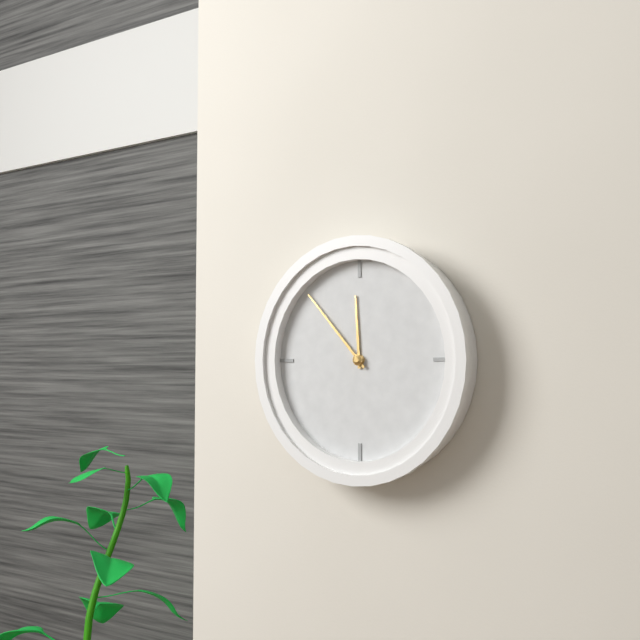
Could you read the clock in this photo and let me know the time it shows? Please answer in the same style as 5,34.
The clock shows 11,53
